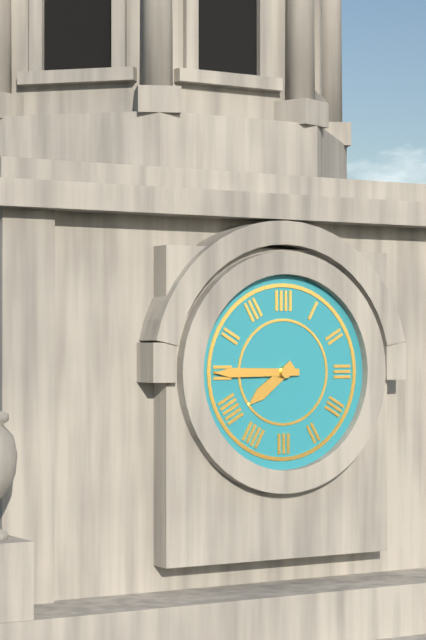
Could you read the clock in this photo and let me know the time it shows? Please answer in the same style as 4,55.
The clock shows 7,45
